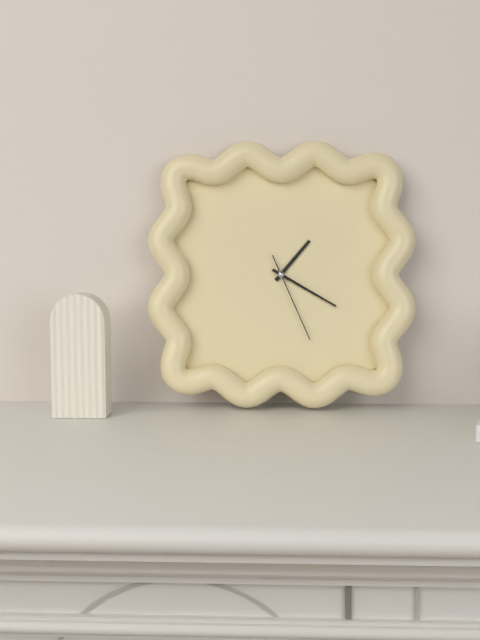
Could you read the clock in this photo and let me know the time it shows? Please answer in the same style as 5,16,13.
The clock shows 1,20,26
